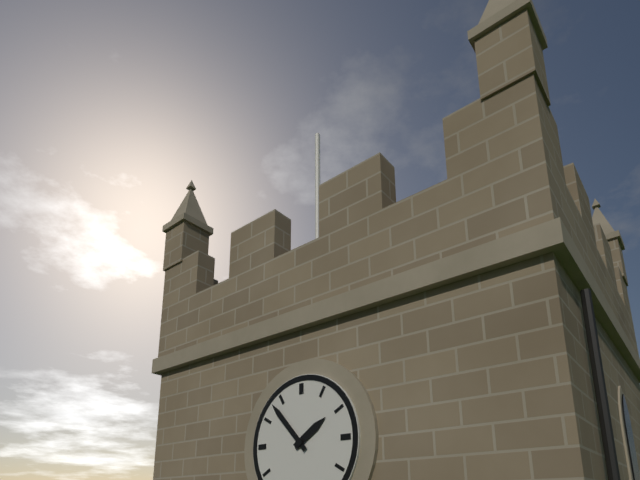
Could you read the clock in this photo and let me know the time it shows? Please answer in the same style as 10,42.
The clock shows 1,53
